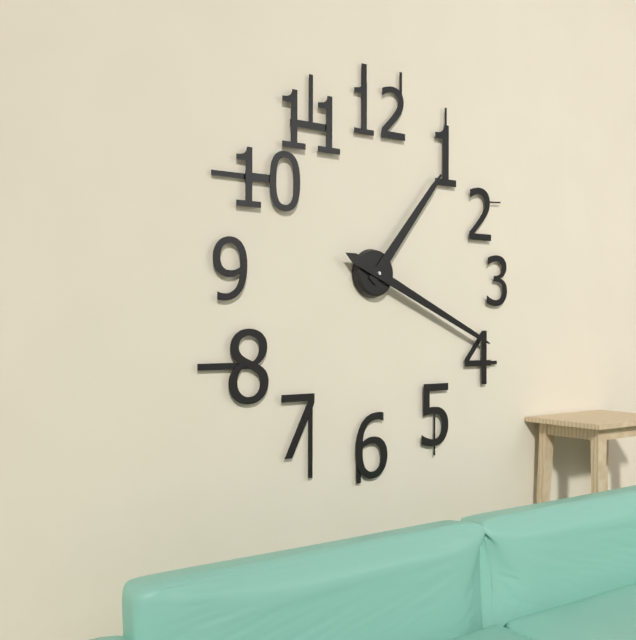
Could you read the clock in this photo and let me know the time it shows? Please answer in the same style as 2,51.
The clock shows 1,19
